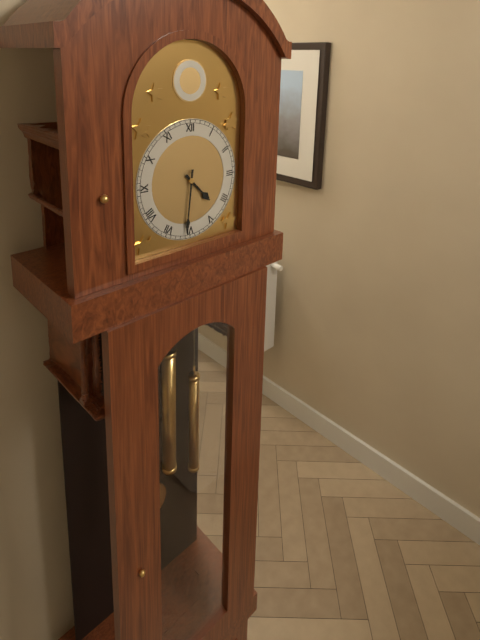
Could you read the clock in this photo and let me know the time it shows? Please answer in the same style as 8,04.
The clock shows 4,31
